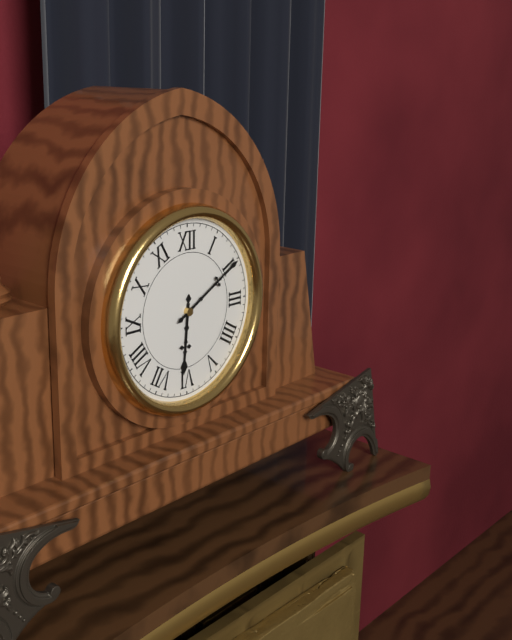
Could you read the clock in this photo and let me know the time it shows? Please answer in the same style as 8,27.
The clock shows 6,10
